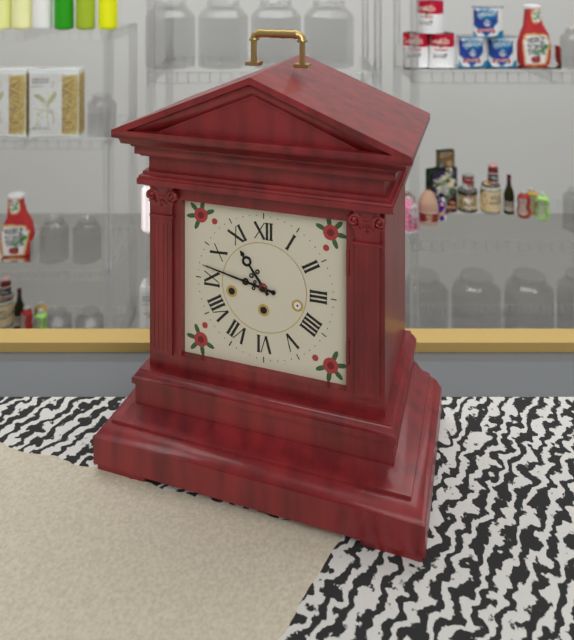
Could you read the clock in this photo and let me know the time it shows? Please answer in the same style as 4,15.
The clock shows 10,47
